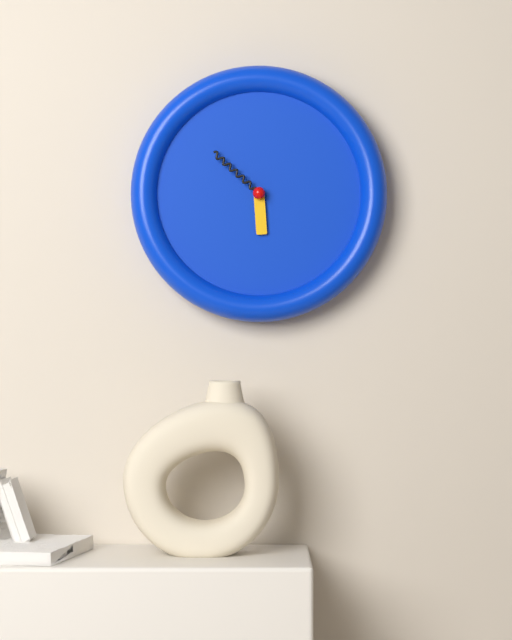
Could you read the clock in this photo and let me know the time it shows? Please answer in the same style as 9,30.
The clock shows 5,52
